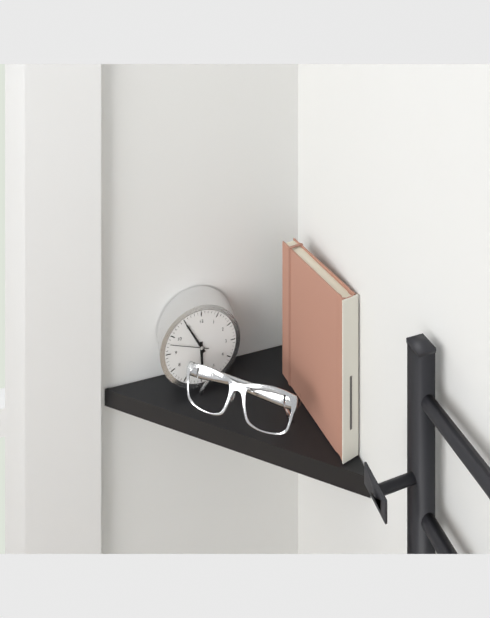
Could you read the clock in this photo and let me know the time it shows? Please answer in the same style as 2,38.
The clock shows 5,55
